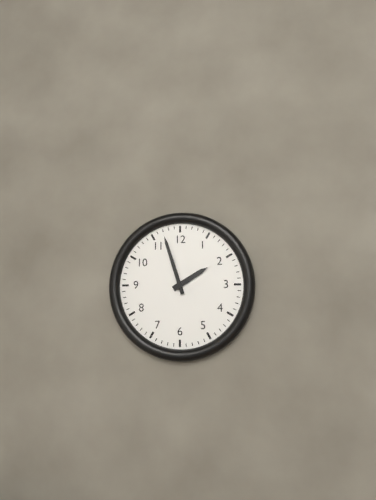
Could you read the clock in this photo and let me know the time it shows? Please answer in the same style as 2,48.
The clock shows 1,57
